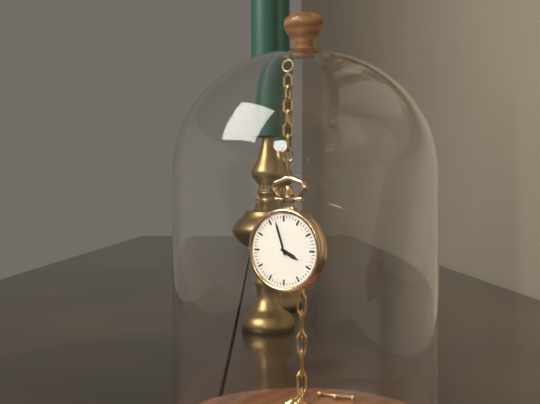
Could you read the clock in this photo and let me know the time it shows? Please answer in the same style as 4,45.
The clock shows 3,57
